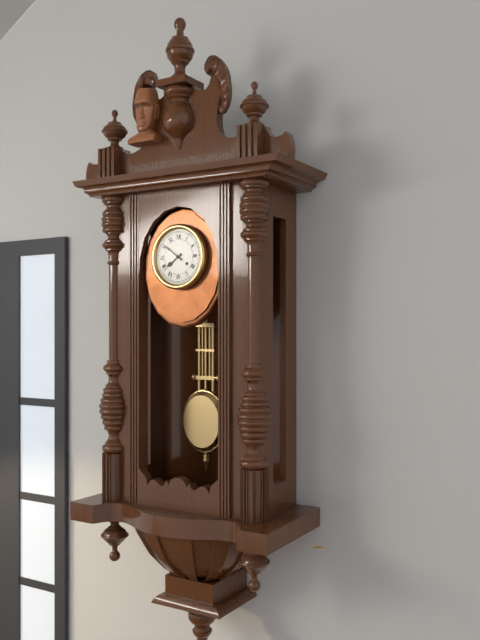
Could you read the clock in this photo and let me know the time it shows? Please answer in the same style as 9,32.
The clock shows 7,51
